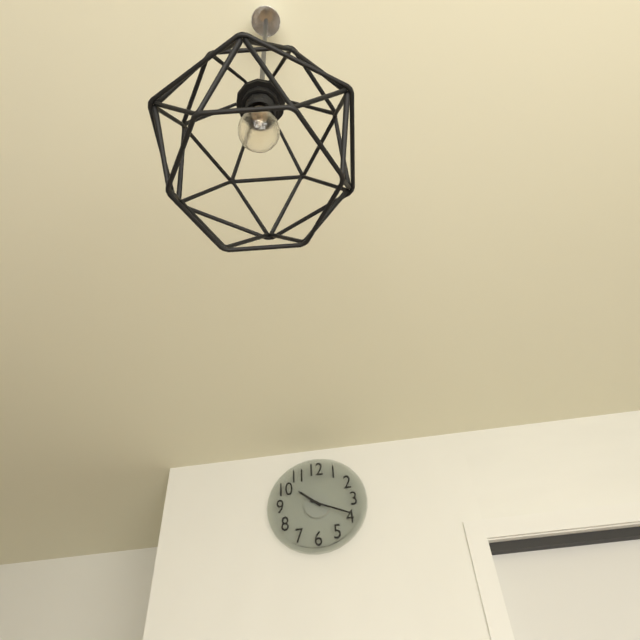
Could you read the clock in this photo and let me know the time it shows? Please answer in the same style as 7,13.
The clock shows 10,19
